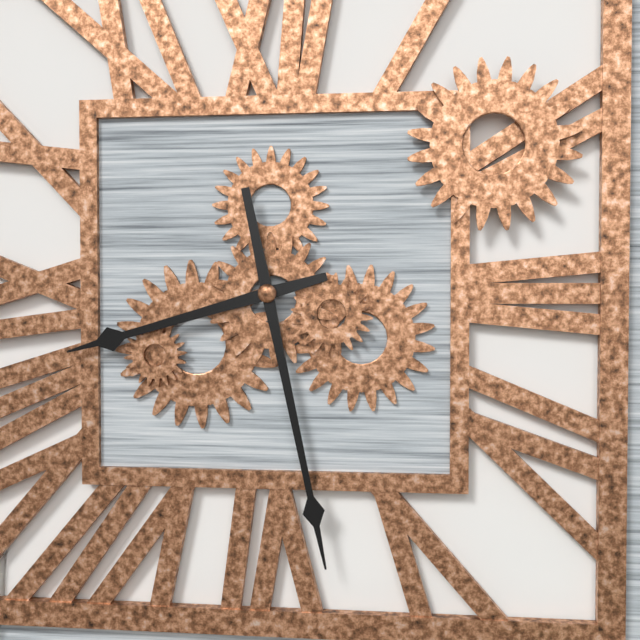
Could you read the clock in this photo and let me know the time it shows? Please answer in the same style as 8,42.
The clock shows 8,28
